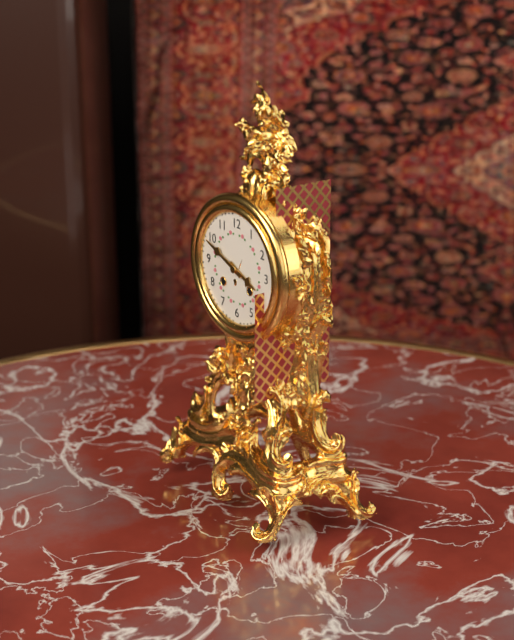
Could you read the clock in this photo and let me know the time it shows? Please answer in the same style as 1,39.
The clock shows 3,49
